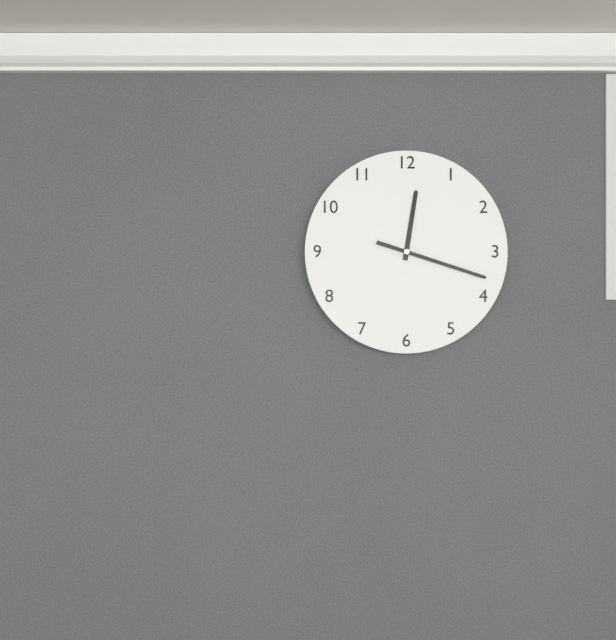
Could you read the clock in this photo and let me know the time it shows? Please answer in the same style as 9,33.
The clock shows 12,18
